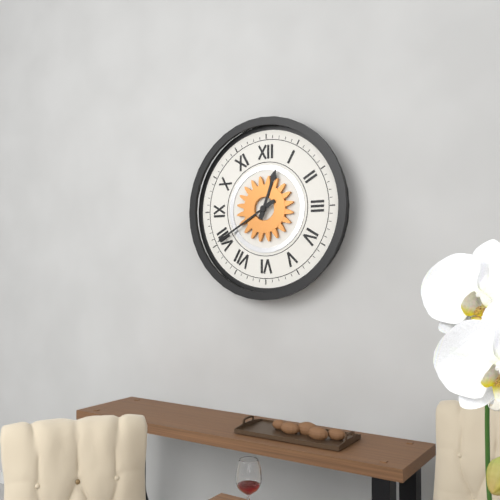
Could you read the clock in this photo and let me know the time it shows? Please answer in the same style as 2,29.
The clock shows 12,40
